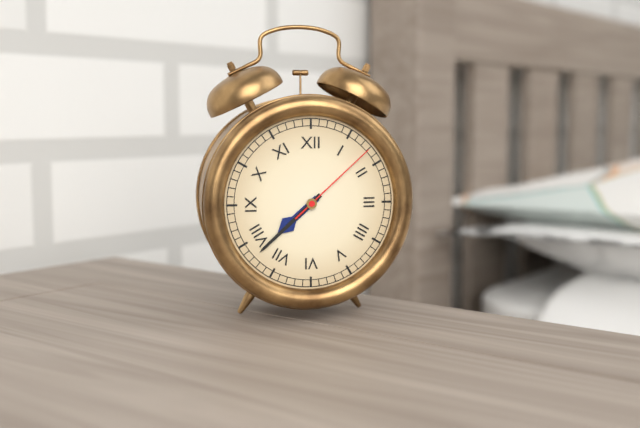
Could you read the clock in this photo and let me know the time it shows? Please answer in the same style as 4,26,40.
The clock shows 7,38,08
